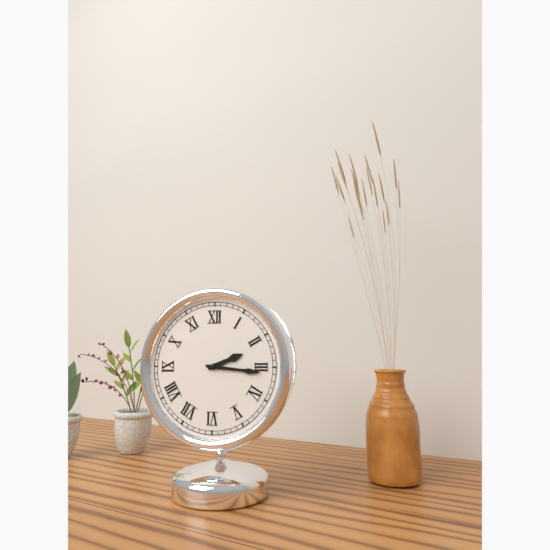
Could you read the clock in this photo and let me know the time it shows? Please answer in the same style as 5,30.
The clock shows 2,16
